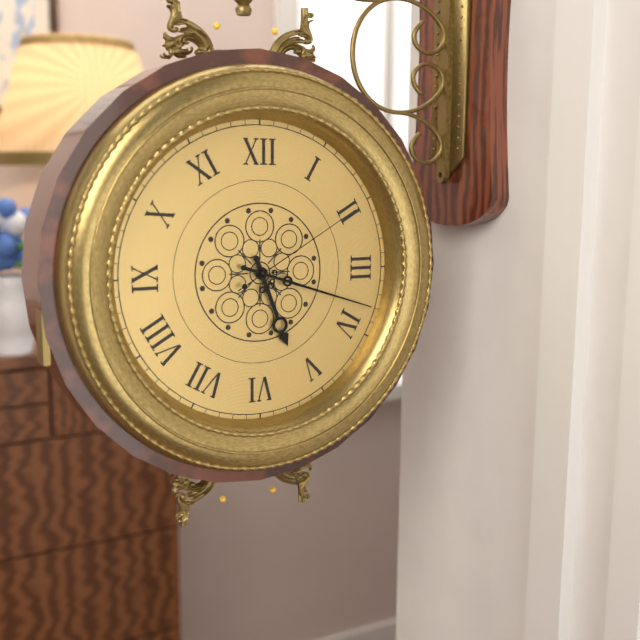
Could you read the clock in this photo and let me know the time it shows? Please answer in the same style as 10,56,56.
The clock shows 5,18,10
